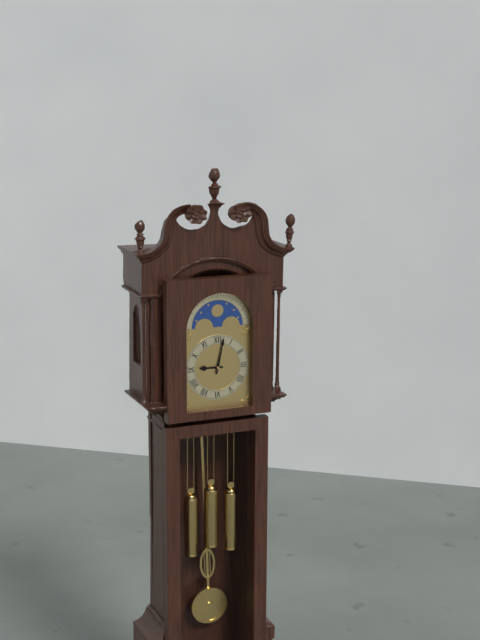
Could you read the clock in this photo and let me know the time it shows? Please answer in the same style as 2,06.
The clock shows 9,02
